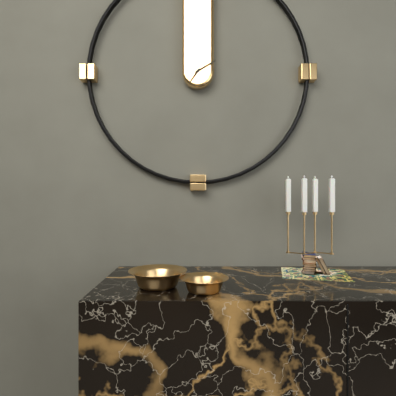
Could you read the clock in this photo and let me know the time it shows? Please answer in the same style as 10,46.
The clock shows 7,10
